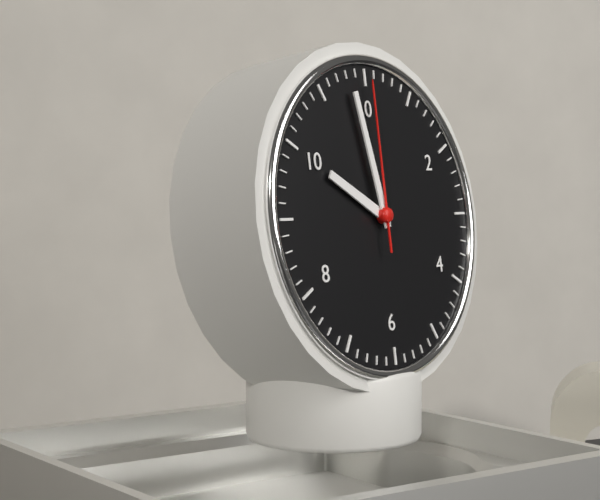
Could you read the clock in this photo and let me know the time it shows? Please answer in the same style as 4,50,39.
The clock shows 9,58,00
